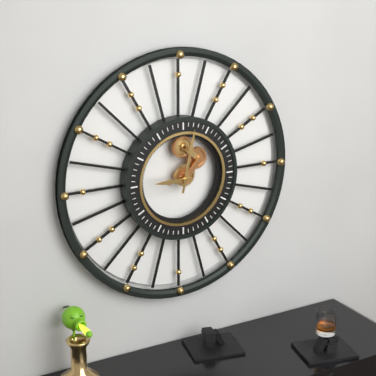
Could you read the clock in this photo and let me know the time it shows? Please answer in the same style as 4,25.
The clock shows 9,02
